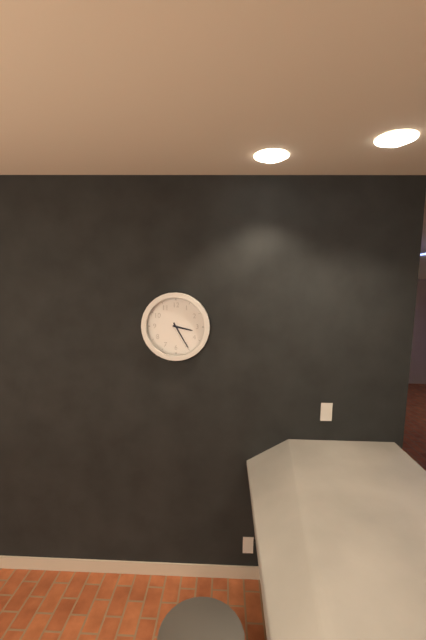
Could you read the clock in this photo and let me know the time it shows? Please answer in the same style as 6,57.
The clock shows 3,25
